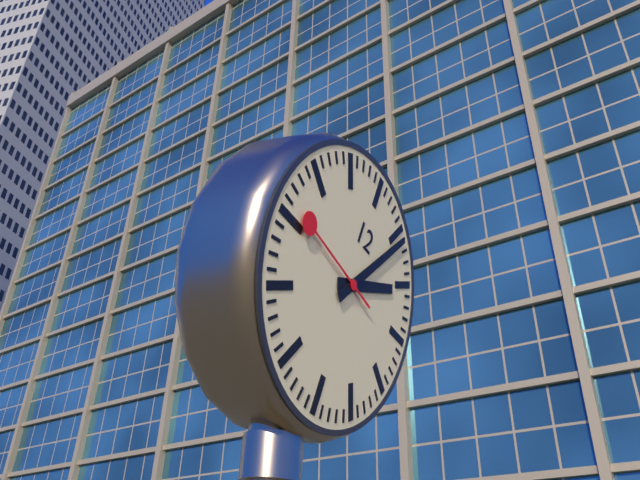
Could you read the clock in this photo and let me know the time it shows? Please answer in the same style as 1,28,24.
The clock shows 2,06,46
